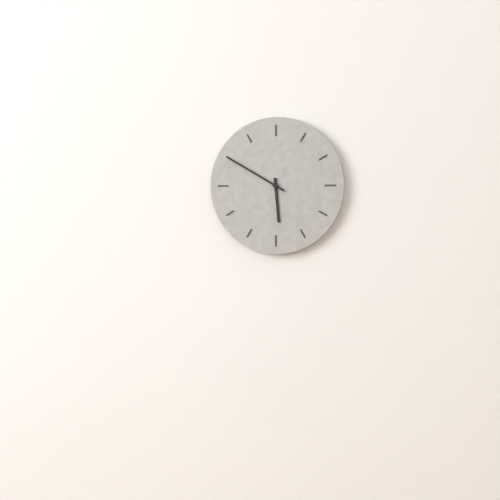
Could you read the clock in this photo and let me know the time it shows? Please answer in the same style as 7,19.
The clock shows 5,50
